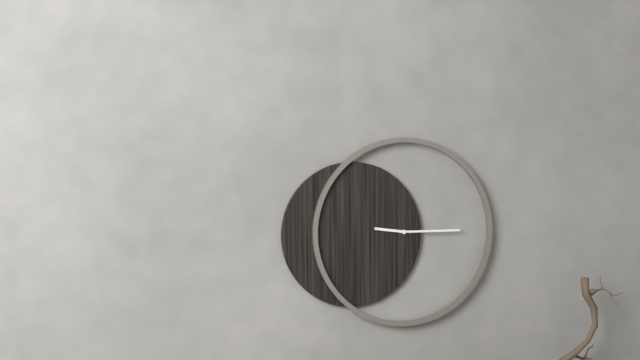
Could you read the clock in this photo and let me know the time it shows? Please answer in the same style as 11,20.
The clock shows 9,15
